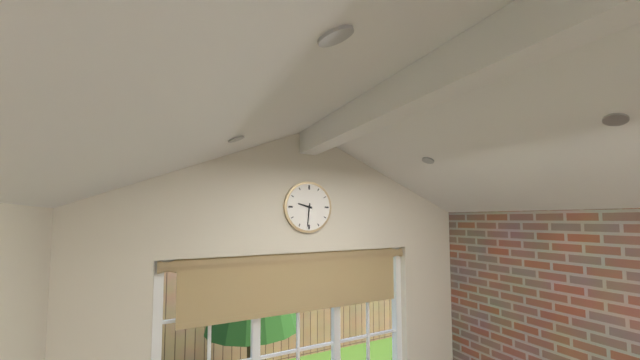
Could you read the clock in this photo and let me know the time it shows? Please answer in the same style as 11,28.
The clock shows 9,31
